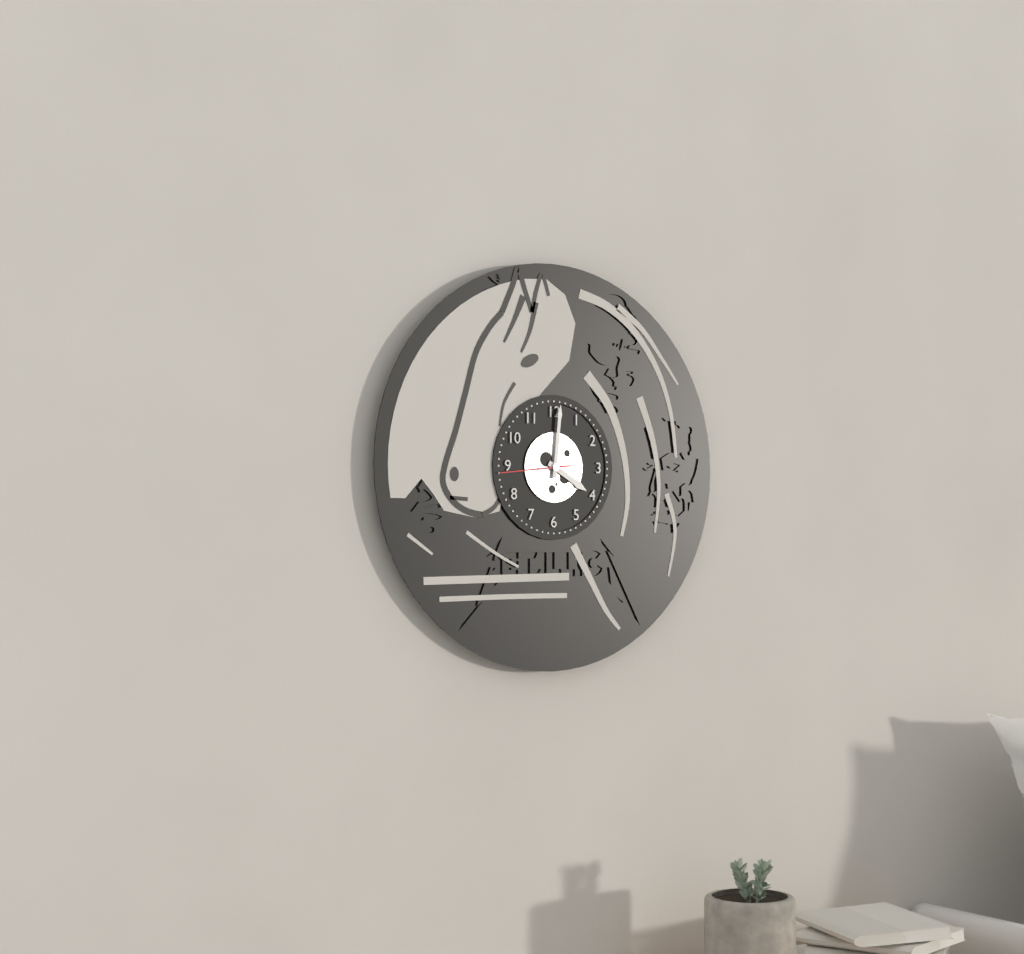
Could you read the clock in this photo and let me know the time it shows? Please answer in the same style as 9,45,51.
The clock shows 4,01,44
